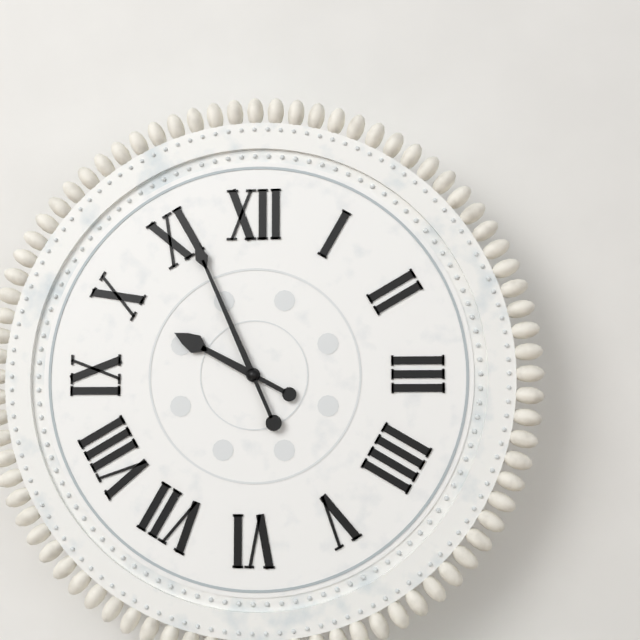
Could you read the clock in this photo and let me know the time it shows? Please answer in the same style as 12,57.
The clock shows 9,56
